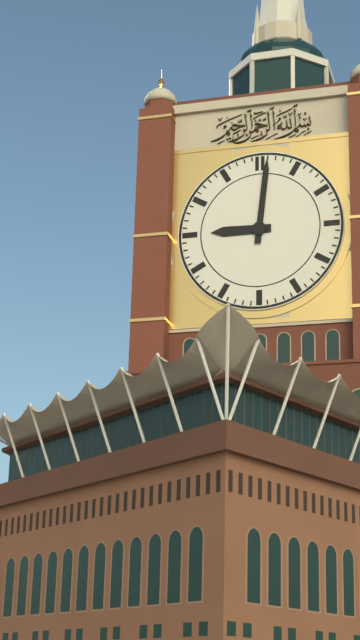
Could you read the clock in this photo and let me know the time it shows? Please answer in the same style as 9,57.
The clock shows 9,01
